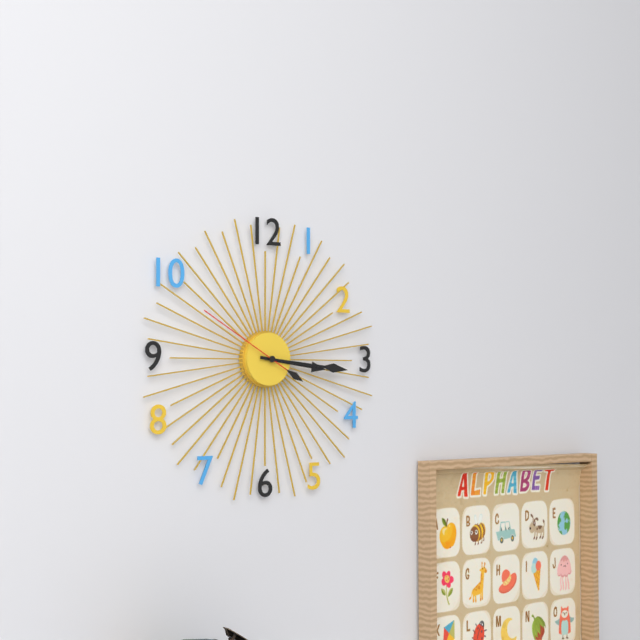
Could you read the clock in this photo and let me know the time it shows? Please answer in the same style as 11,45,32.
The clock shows 3,16,50
